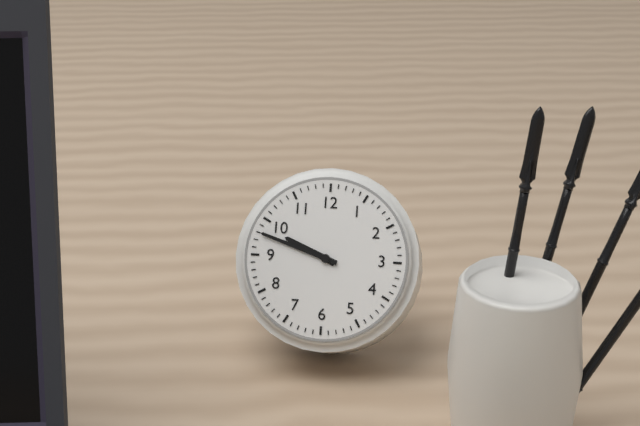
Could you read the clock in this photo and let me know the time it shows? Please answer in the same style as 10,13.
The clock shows 9,48
